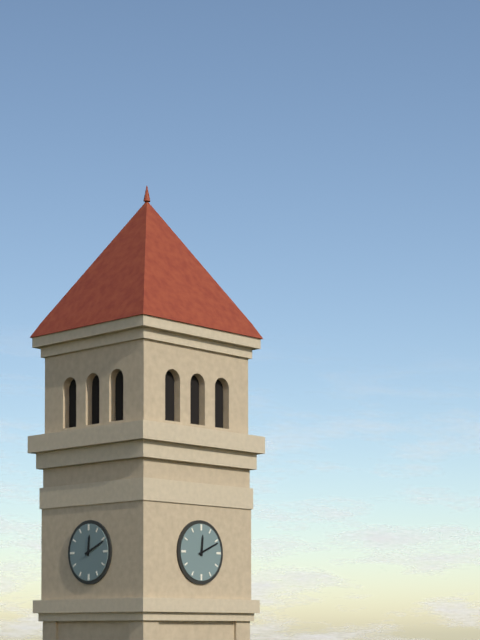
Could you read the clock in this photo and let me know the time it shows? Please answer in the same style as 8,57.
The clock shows 12,11
